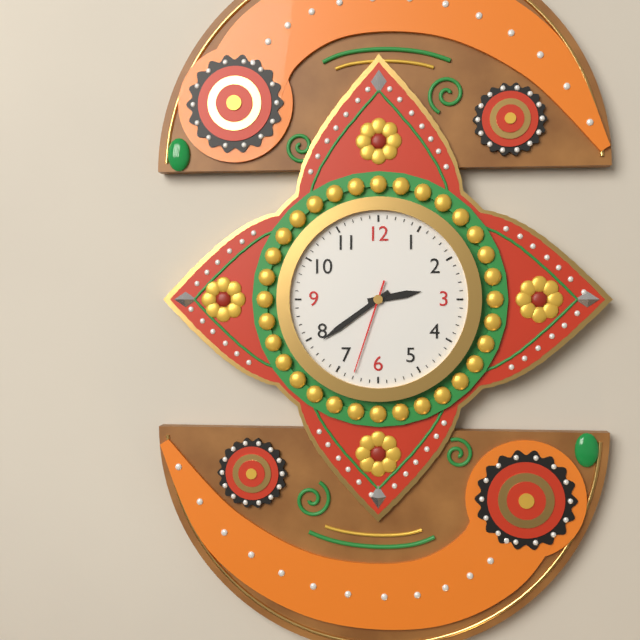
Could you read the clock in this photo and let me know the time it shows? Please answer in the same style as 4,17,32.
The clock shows 2,39,33
